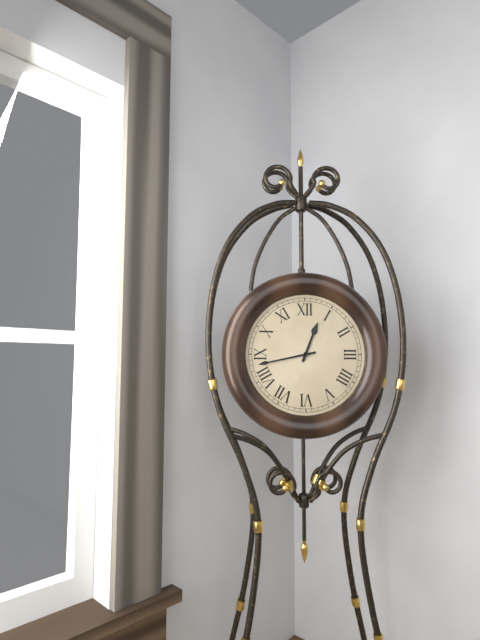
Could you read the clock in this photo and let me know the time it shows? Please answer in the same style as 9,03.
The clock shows 12,43
